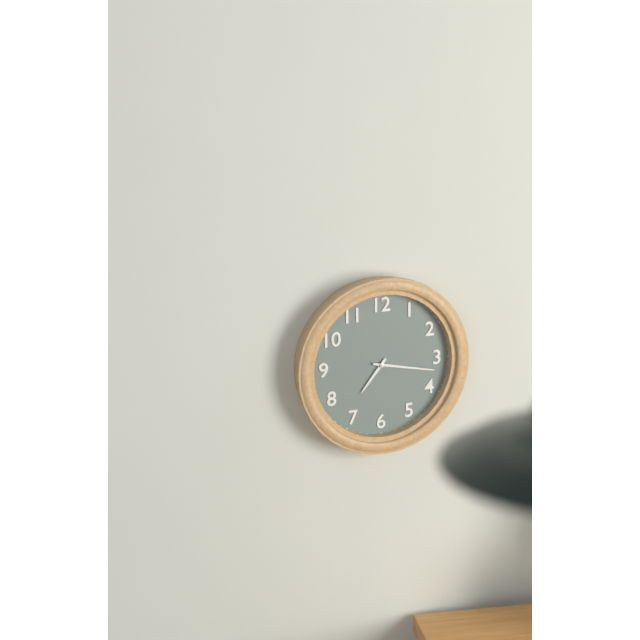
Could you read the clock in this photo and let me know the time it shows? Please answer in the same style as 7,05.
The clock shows 7,17
